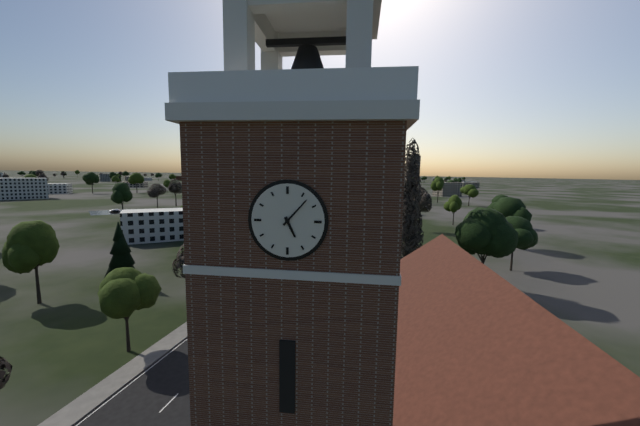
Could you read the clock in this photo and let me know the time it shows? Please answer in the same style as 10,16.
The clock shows 5,07
